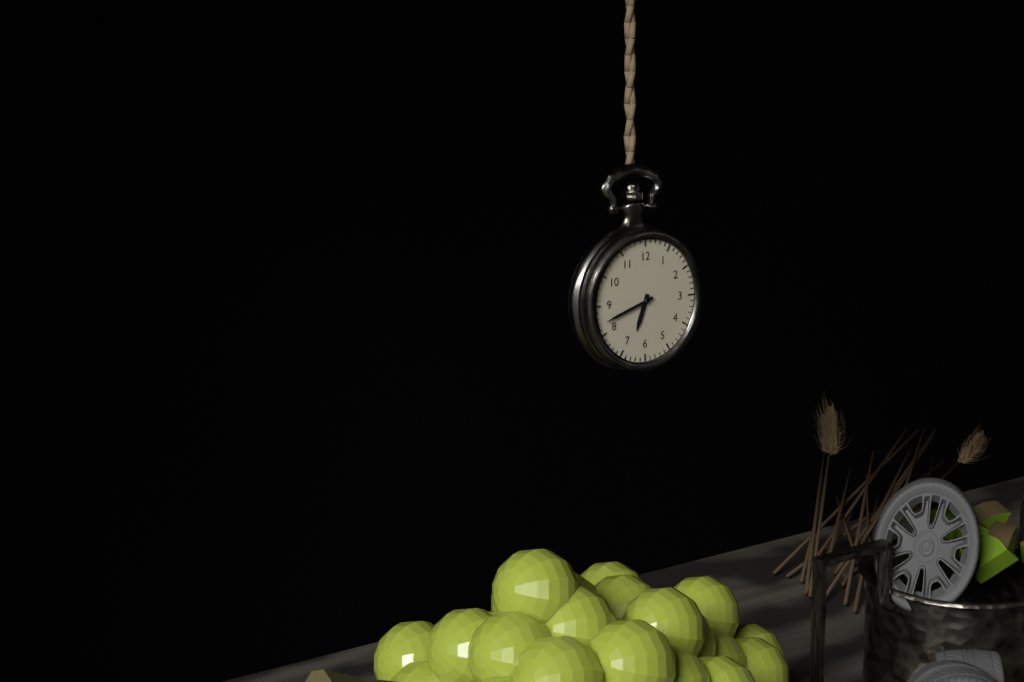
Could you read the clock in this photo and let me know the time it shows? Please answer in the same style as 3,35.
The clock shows 6,42
